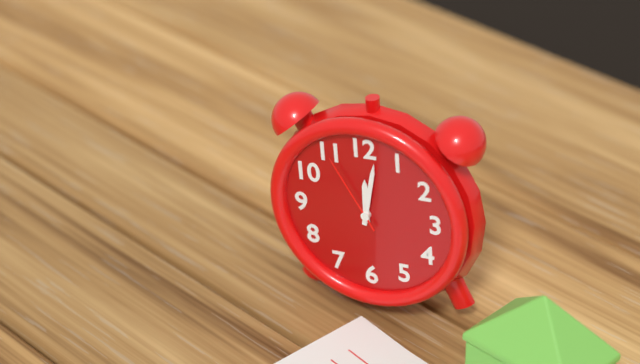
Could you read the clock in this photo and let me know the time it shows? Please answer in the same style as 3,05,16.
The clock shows 12,02,55
